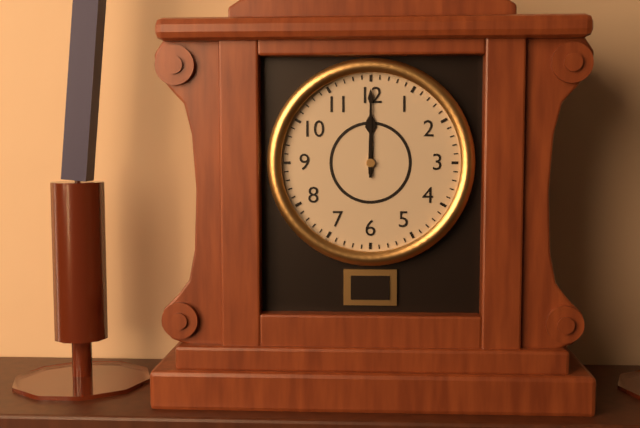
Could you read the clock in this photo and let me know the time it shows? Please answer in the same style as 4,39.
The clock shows 12,00
